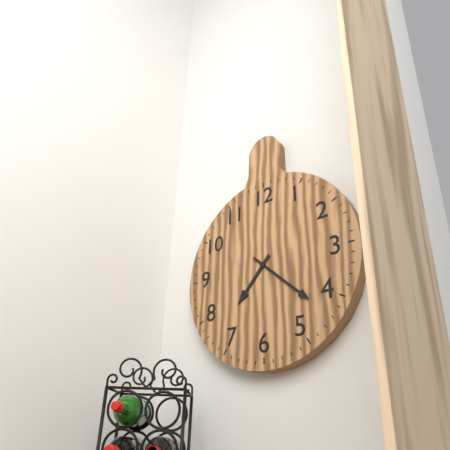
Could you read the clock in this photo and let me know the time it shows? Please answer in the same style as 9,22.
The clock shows 7,22
